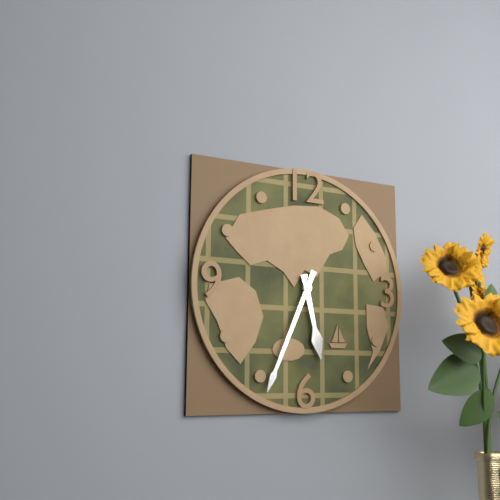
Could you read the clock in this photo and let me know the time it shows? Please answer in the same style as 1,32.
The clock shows 5,34
